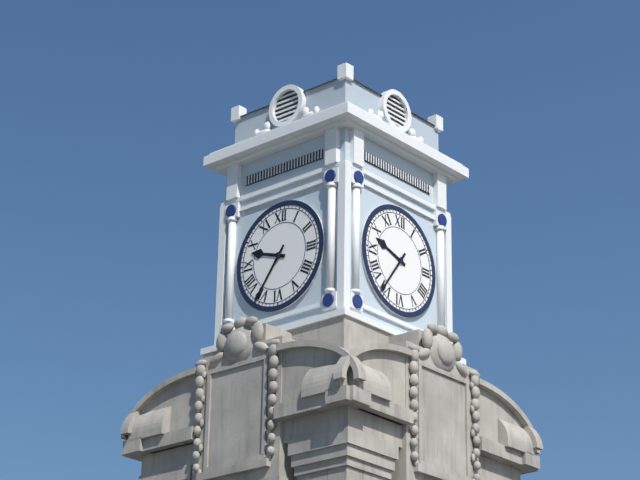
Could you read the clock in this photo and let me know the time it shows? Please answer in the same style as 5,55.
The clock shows 9,36
